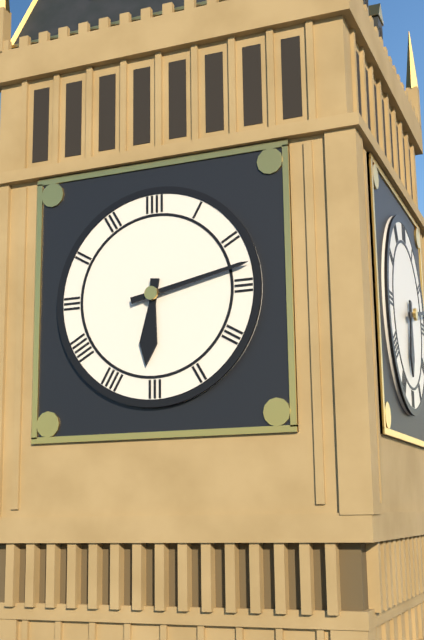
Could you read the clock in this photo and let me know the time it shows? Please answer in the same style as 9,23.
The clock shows 6,13
